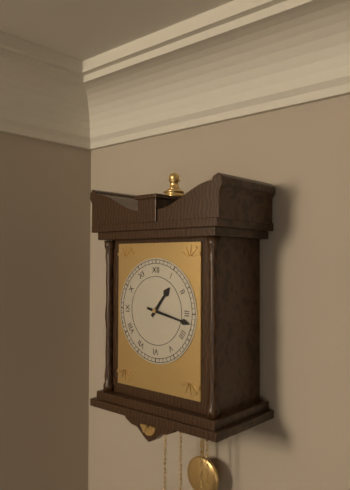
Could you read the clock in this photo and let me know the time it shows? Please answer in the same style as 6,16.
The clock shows 1,17
